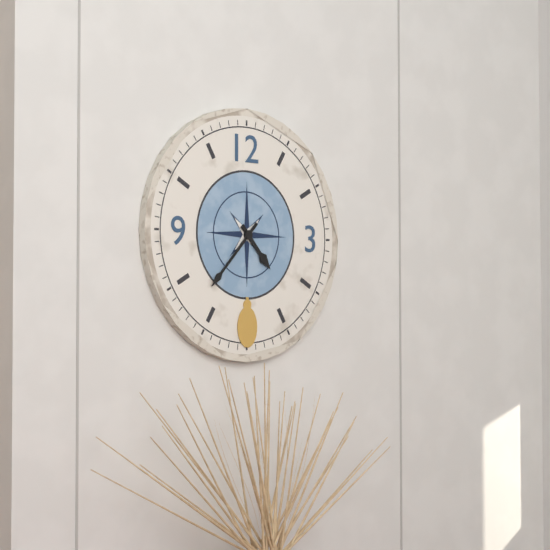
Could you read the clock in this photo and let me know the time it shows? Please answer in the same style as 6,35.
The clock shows 4,37
